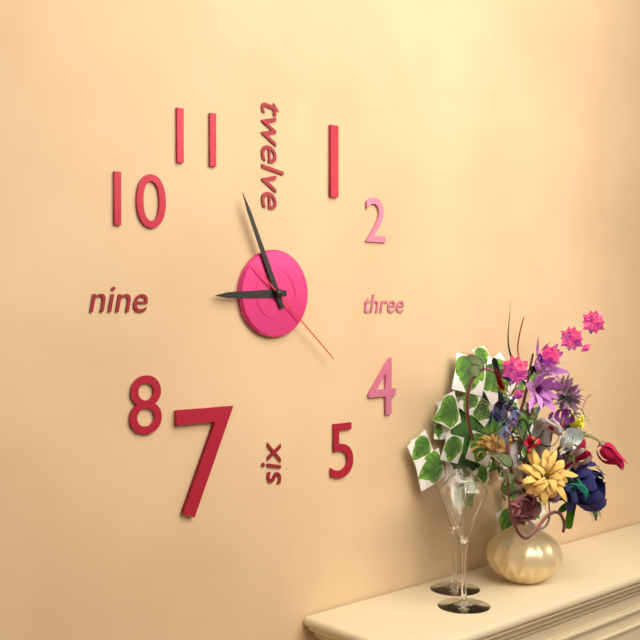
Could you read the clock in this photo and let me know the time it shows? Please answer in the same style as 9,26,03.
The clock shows 8,56,22
